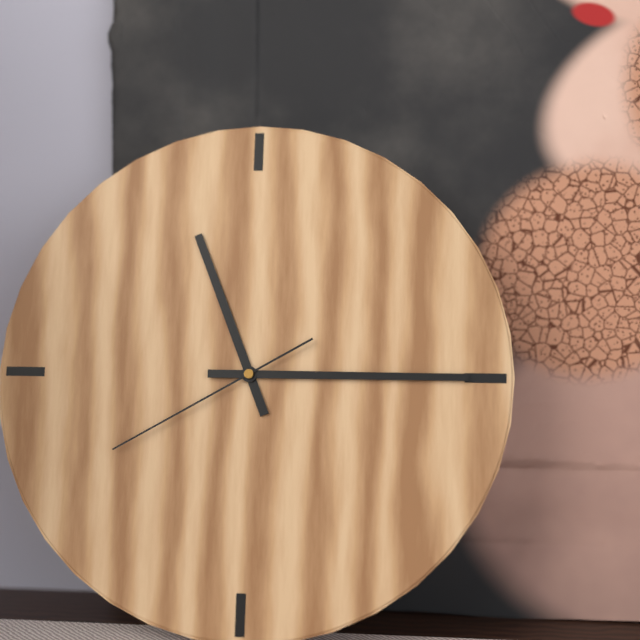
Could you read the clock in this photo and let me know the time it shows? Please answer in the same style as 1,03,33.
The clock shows 11,15,40
